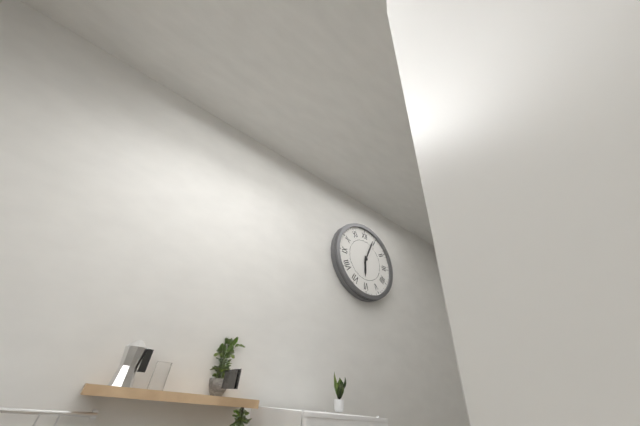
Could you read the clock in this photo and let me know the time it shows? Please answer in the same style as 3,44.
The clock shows 6,04
